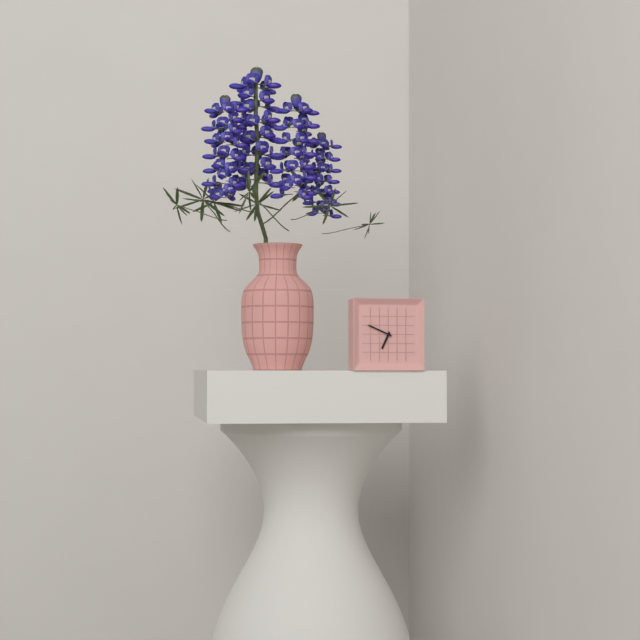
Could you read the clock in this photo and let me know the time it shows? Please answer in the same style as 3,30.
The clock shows 6,49
